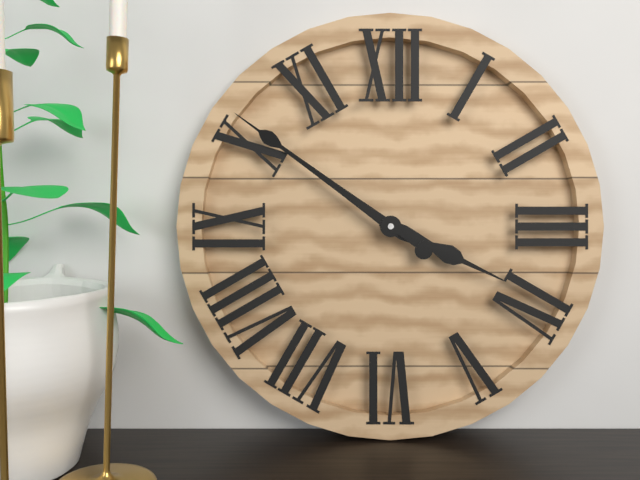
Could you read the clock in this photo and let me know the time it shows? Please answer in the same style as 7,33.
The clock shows 3,51
